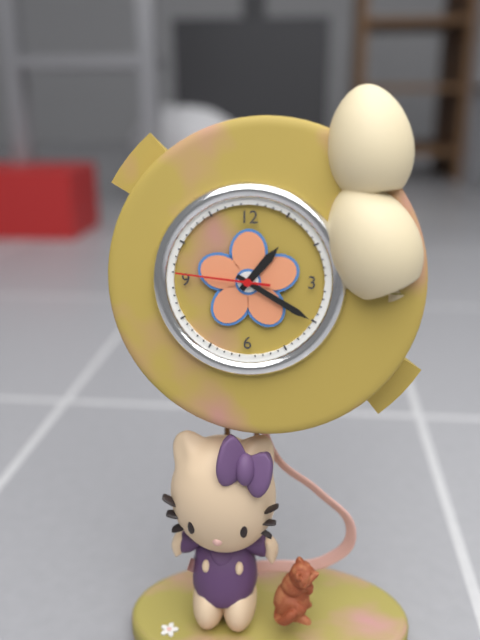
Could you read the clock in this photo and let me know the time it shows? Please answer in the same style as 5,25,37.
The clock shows 1,20,46
